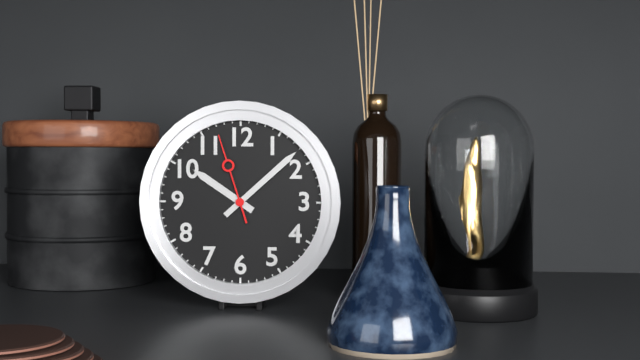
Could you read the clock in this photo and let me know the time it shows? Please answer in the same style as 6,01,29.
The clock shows 10,08,57
